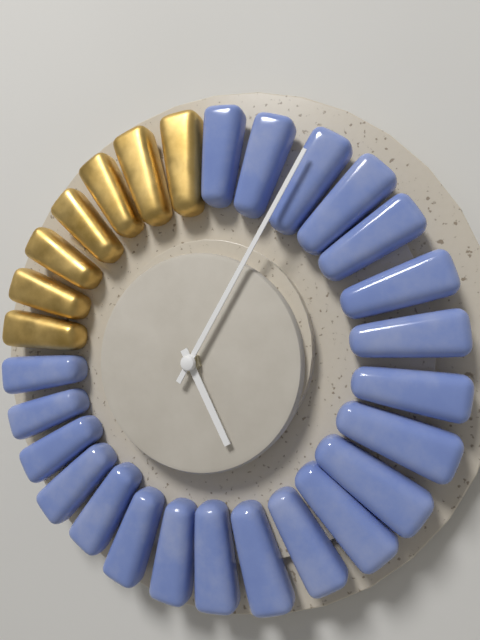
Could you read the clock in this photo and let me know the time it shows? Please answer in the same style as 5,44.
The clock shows 5,05
